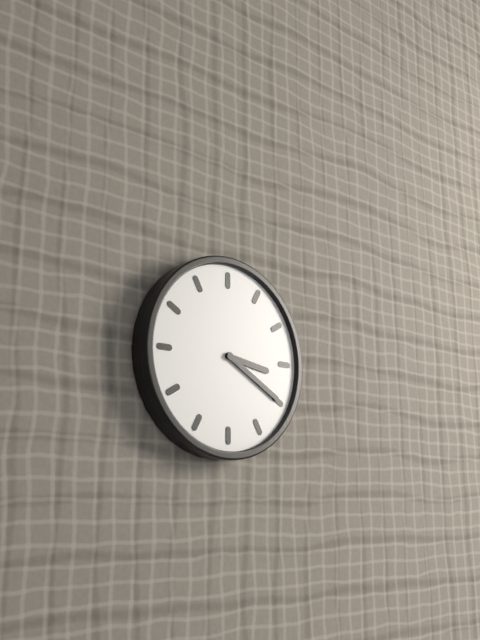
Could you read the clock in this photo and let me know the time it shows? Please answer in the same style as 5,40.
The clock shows 3,20
